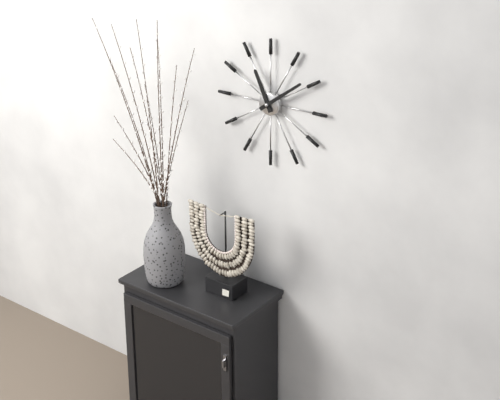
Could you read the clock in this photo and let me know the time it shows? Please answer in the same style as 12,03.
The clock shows 11,09
